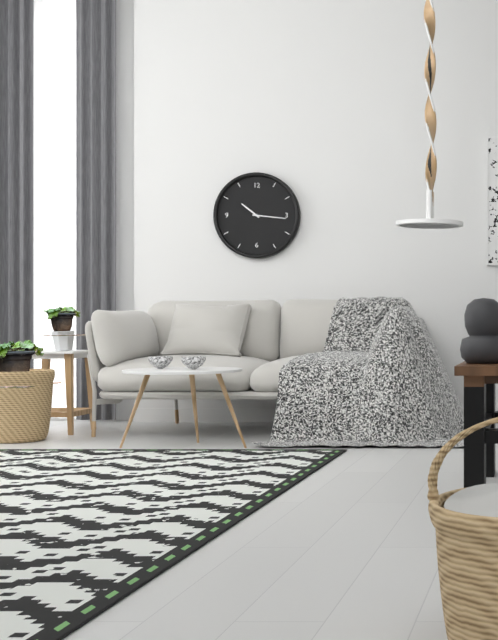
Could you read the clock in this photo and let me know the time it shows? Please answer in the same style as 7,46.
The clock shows 10,16
